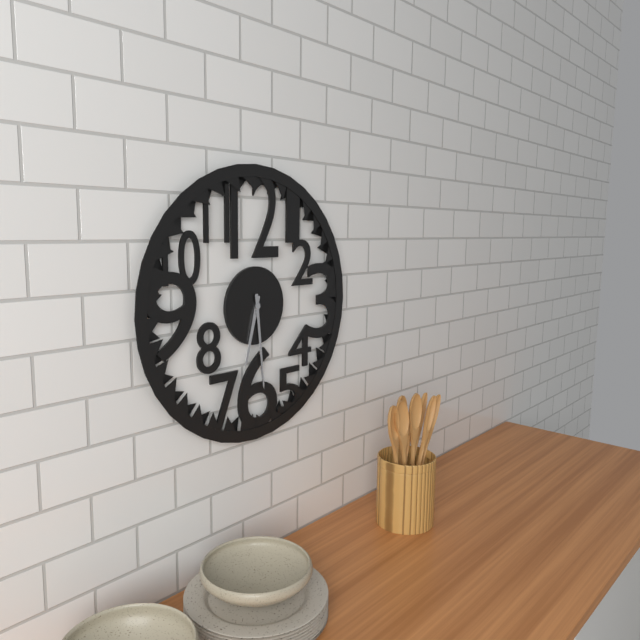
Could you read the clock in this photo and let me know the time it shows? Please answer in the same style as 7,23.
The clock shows 6,29
